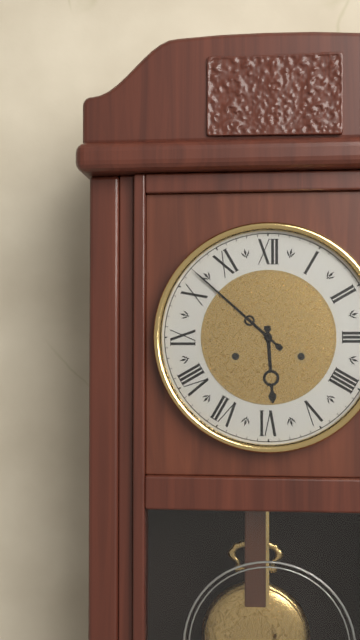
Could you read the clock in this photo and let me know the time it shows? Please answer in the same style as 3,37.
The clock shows 5,52
